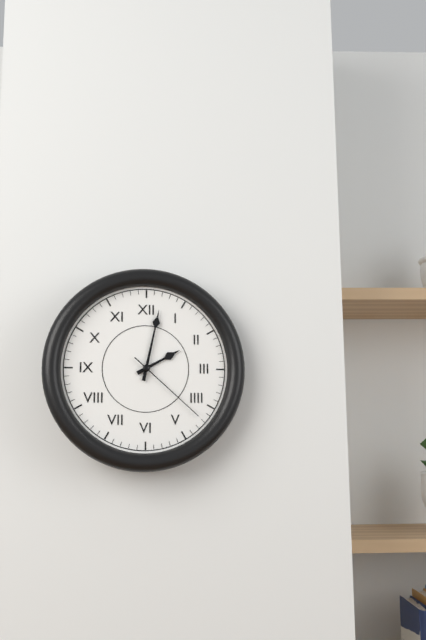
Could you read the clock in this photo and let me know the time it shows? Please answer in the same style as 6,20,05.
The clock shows 2,02,22
